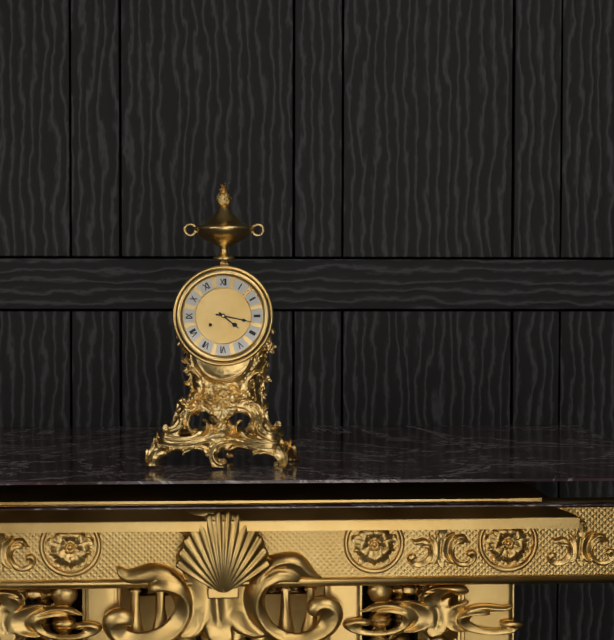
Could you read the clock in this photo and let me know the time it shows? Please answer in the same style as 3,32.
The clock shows 4,17
